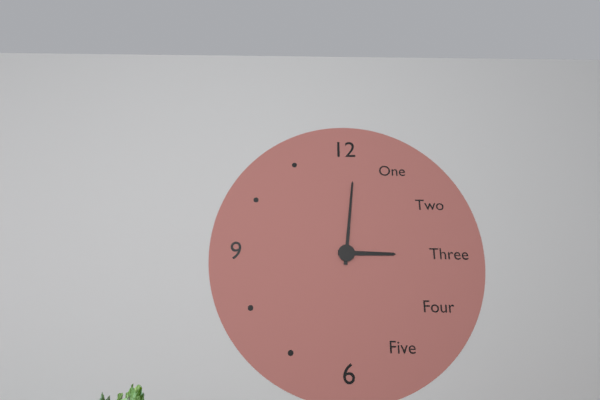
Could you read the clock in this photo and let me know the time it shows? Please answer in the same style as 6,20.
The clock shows 3,01
